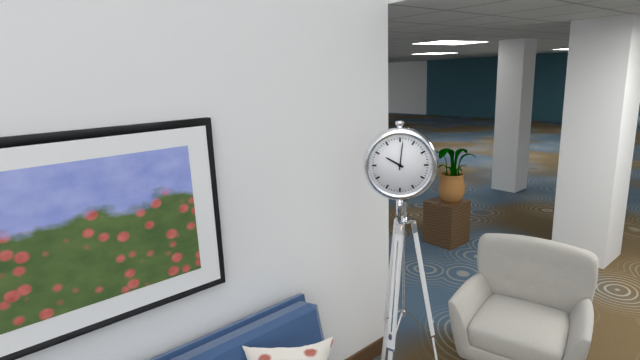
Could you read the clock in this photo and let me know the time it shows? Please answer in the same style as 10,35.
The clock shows 10,01
